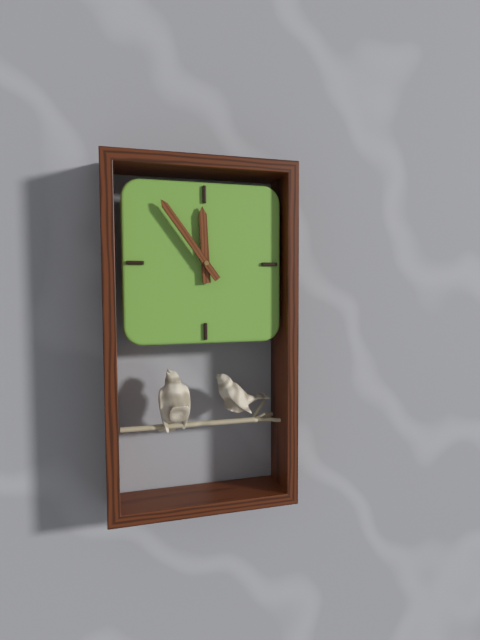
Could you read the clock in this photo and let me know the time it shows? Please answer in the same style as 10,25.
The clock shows 11,54
